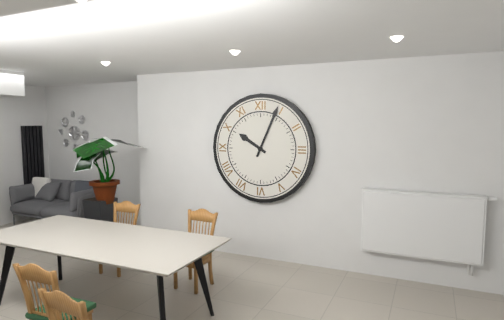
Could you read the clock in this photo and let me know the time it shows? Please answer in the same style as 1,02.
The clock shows 10,04
